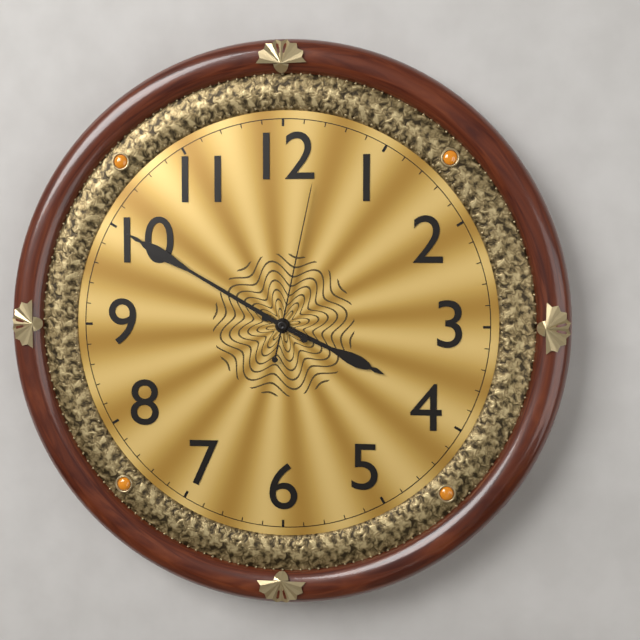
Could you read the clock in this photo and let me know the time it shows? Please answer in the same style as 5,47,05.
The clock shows 3,50,02
